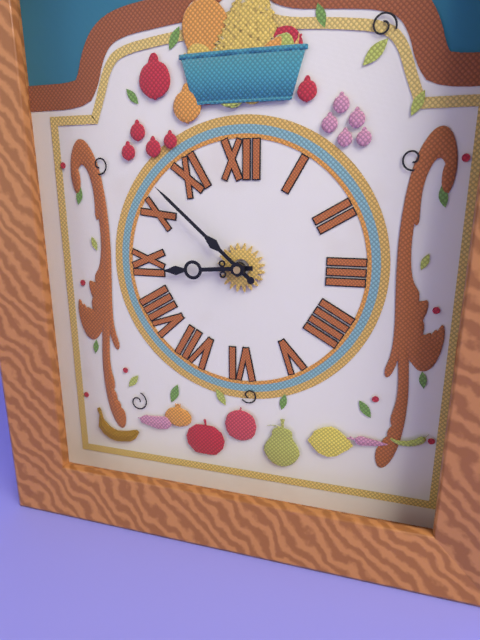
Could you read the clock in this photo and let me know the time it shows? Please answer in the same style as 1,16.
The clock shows 8,52
